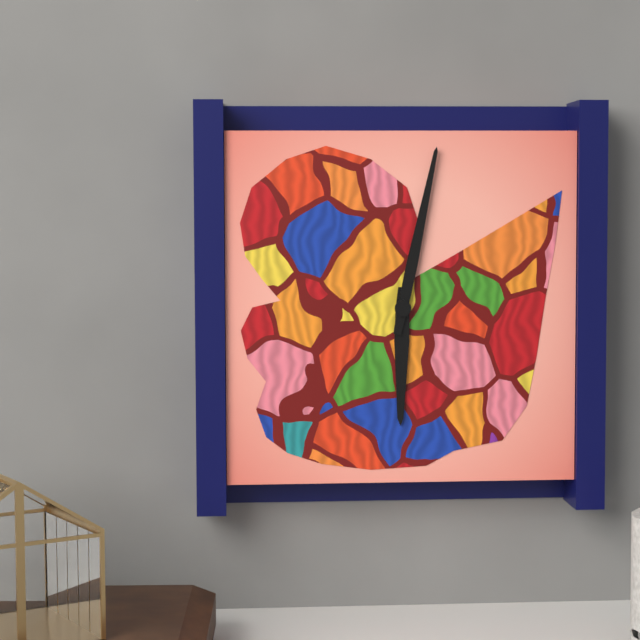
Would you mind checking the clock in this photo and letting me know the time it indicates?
6:02
